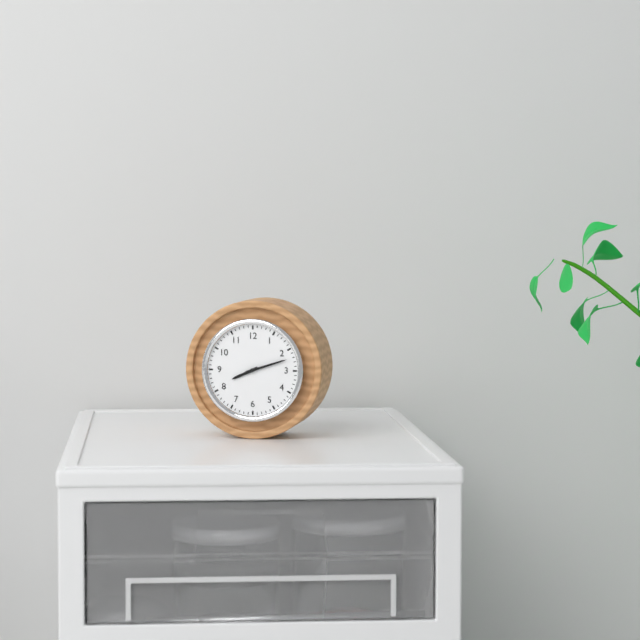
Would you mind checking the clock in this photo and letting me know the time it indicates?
8:12
